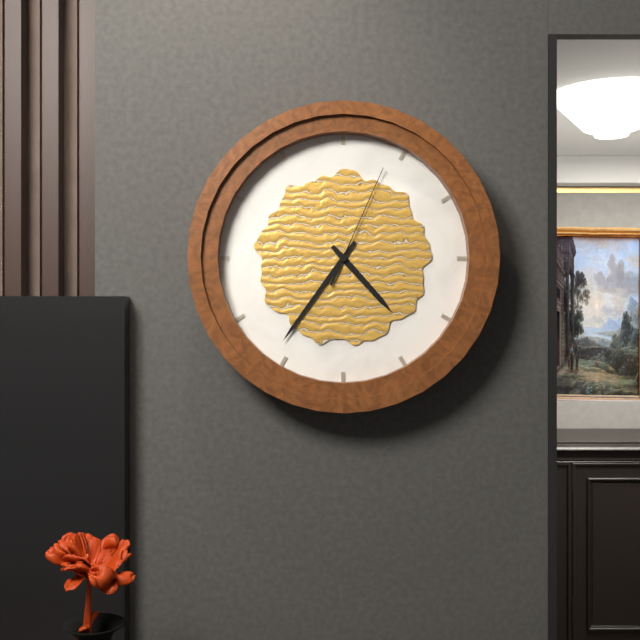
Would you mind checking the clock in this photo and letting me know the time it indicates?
4:36:04
